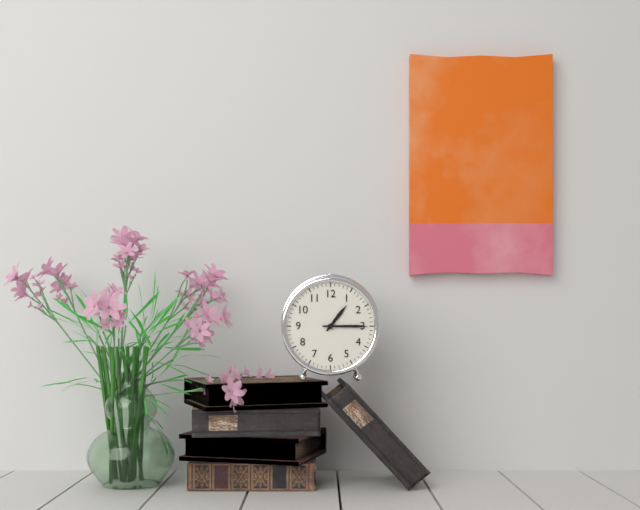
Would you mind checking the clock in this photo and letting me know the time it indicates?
1:15
